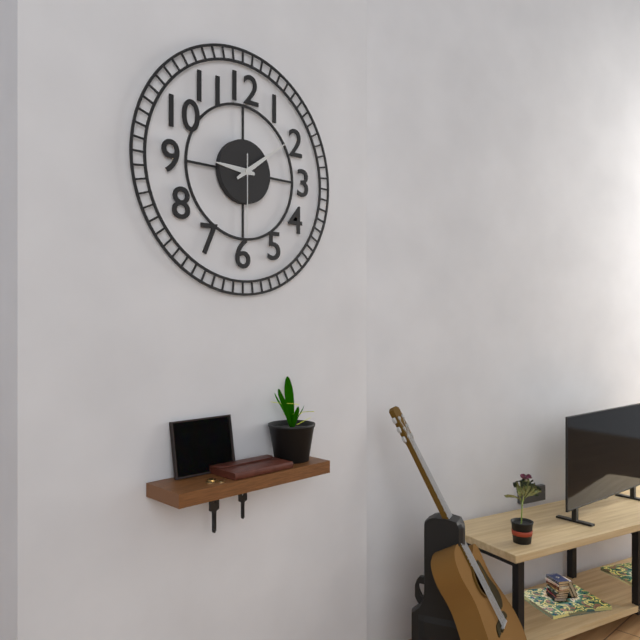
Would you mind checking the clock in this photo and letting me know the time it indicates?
9:09:30
